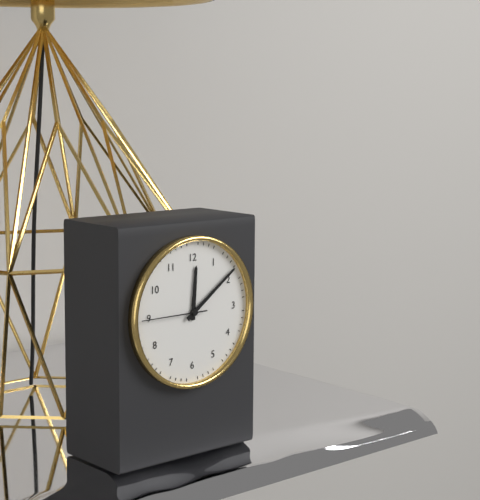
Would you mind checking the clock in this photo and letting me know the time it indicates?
12:09:45
